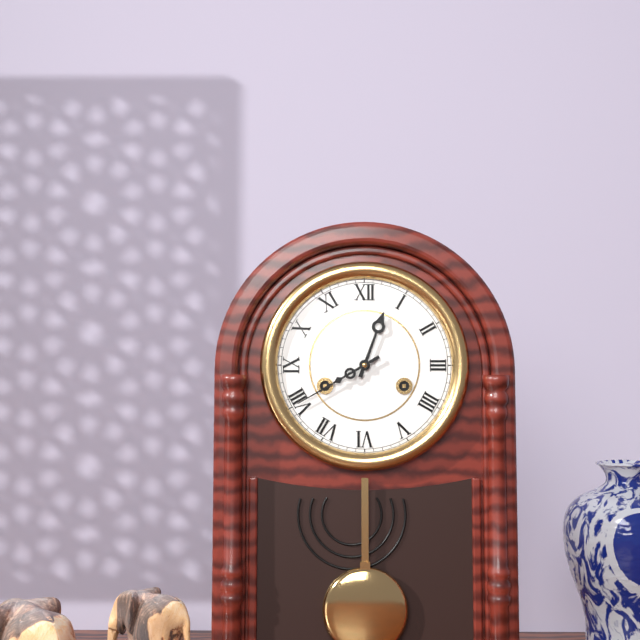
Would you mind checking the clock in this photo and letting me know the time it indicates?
12:40
